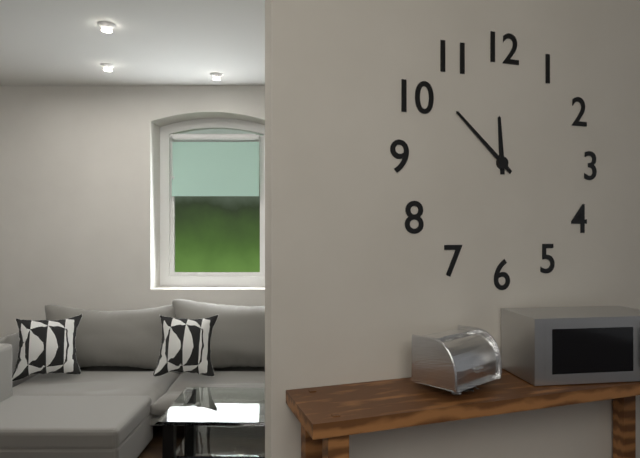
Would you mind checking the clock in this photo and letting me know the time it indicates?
11:52
